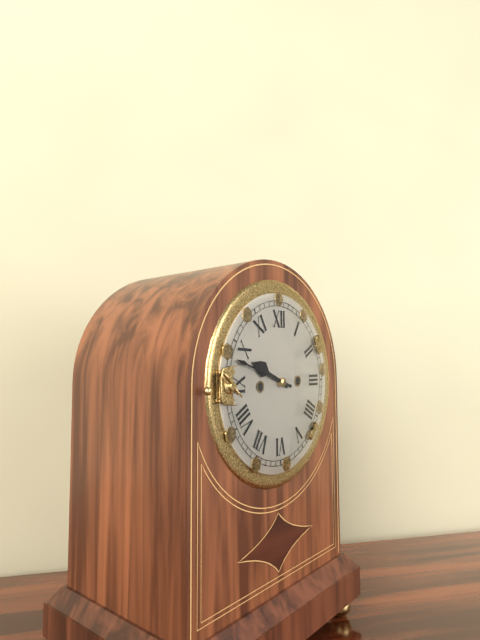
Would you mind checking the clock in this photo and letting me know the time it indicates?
9:48
